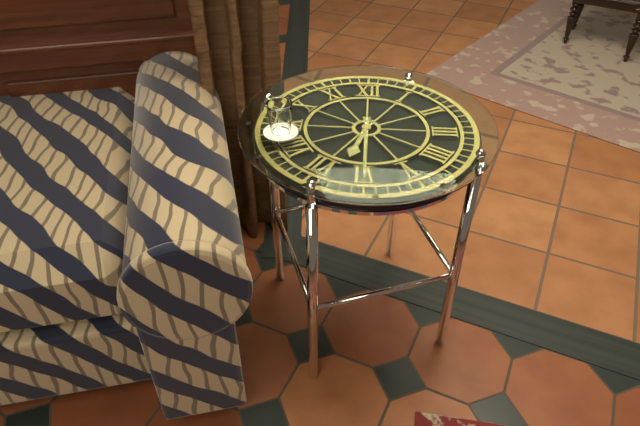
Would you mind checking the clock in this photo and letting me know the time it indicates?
6:30
